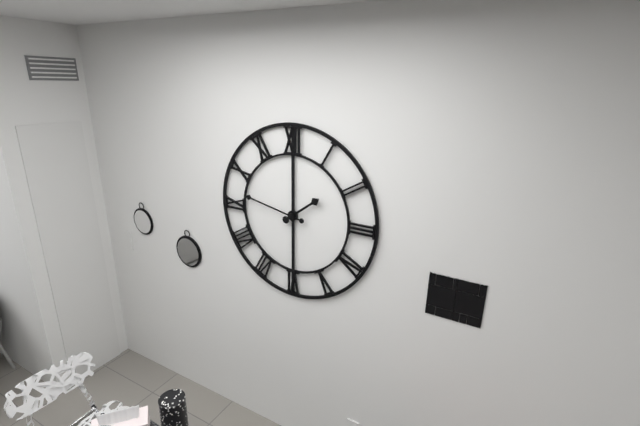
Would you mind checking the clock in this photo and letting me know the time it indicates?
1:47
